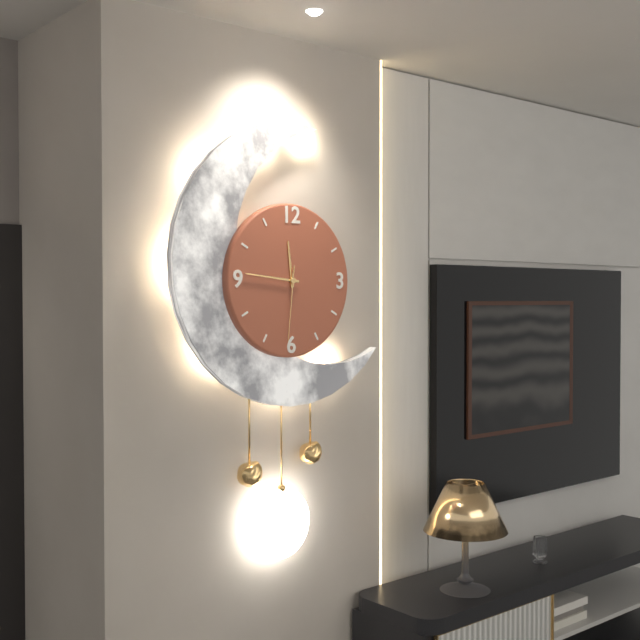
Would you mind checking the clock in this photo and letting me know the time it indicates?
11:46:31
